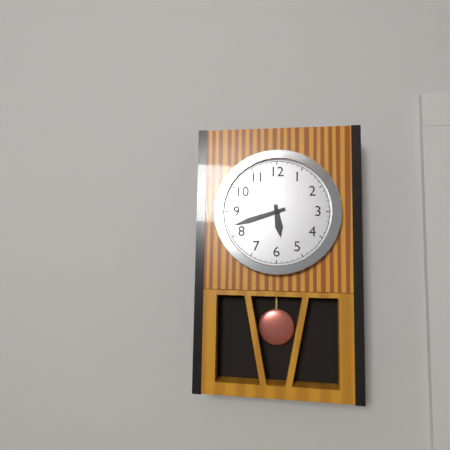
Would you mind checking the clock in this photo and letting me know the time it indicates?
5:42
